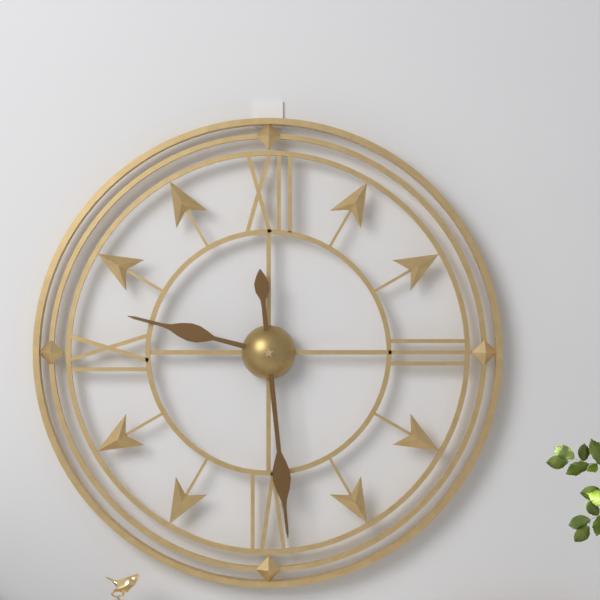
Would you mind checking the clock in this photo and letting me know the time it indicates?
9:29
